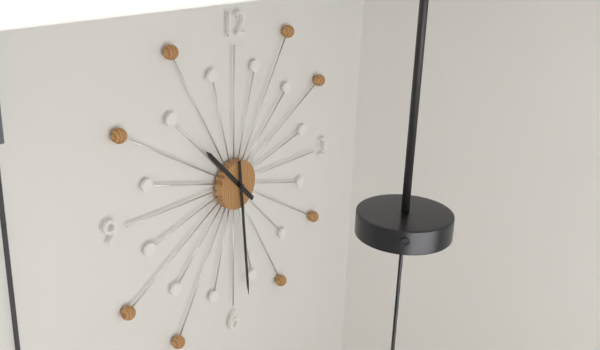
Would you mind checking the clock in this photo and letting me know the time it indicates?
10:29
